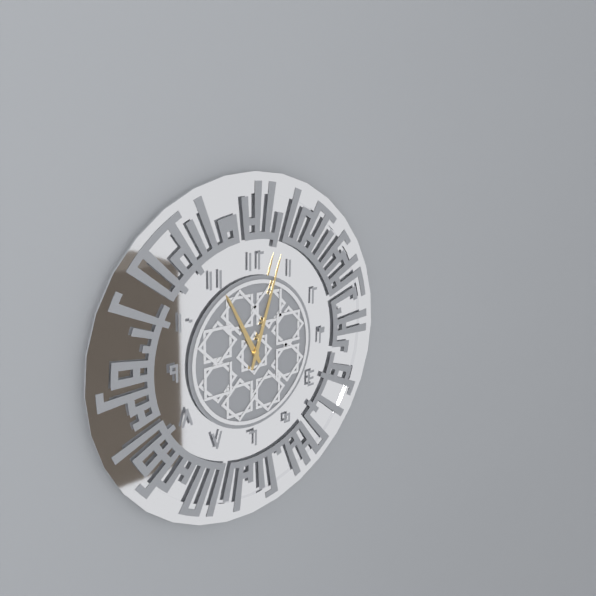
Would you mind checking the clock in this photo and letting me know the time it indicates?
11:03
